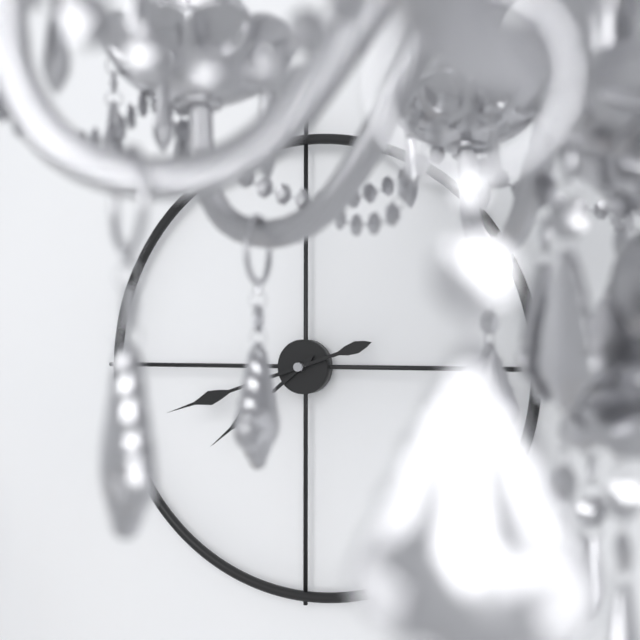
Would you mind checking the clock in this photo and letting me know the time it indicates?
7:42
